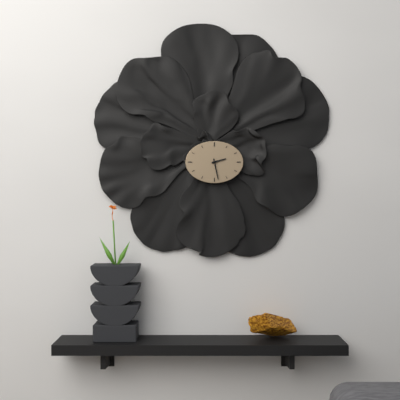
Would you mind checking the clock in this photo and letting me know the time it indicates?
2:28
